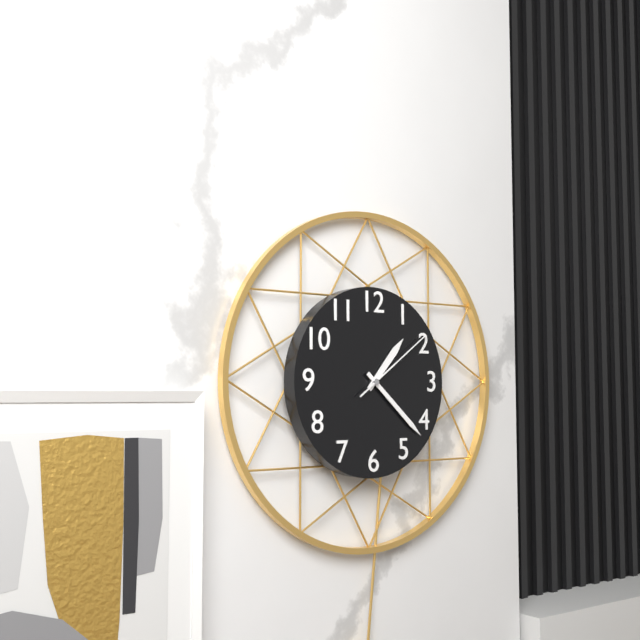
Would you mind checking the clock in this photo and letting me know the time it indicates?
1:22:09
